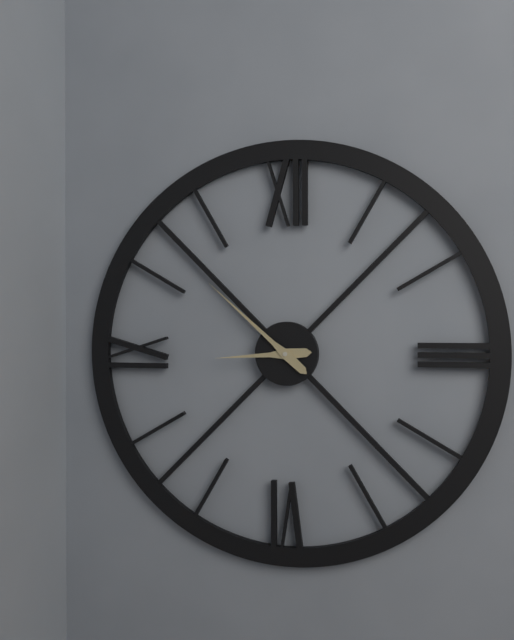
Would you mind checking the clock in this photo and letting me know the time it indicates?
8:52
